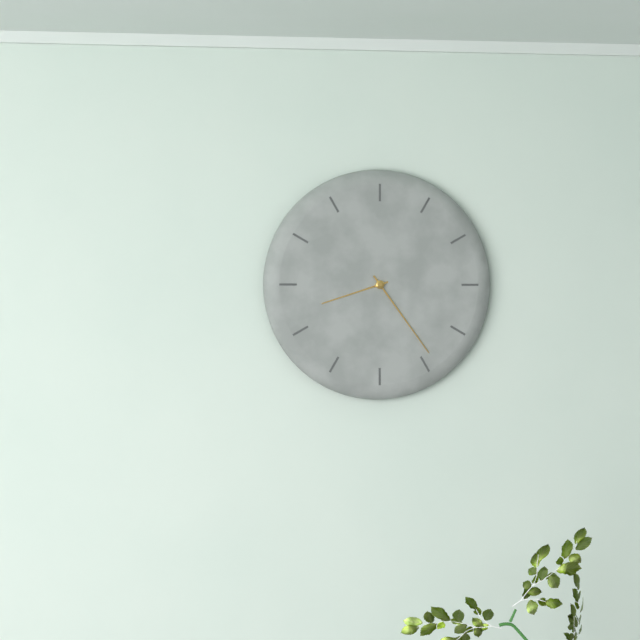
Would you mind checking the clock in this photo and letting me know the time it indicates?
8:24
